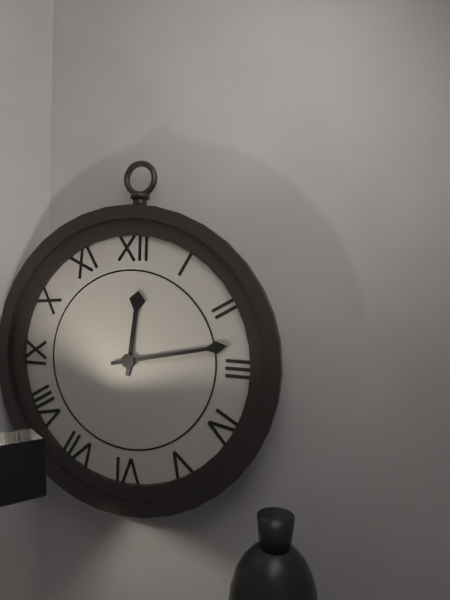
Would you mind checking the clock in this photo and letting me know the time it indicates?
12:13
